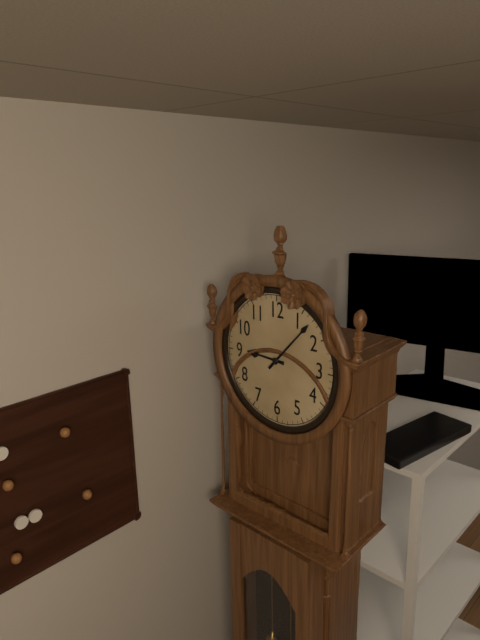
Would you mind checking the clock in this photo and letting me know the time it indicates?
9:07
